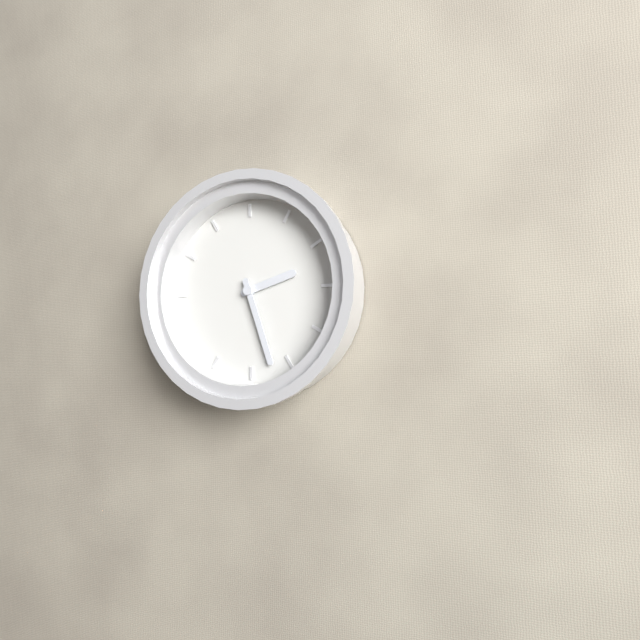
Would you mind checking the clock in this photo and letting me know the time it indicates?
2:27
